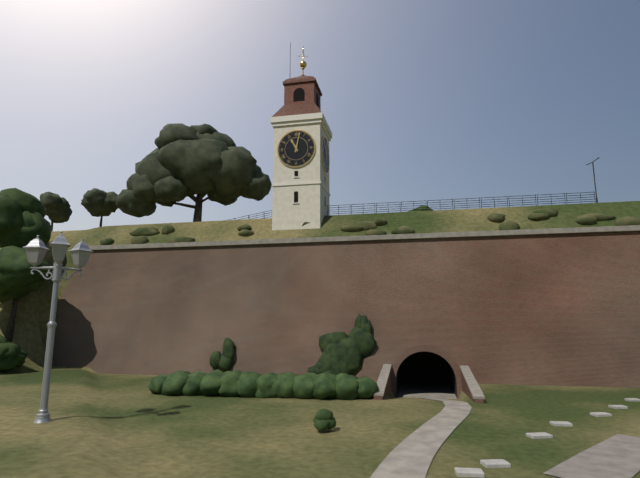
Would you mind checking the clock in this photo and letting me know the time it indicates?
11:02
